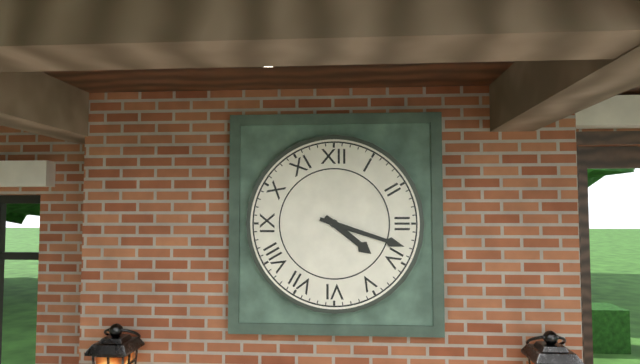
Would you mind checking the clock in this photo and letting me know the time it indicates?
4:18
